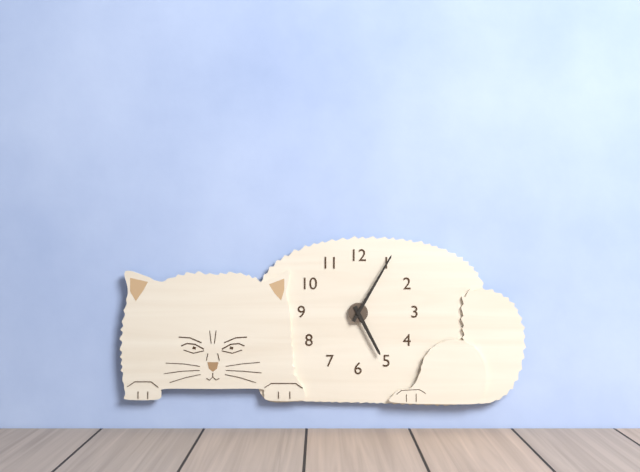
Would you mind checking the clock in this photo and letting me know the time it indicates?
5:05
